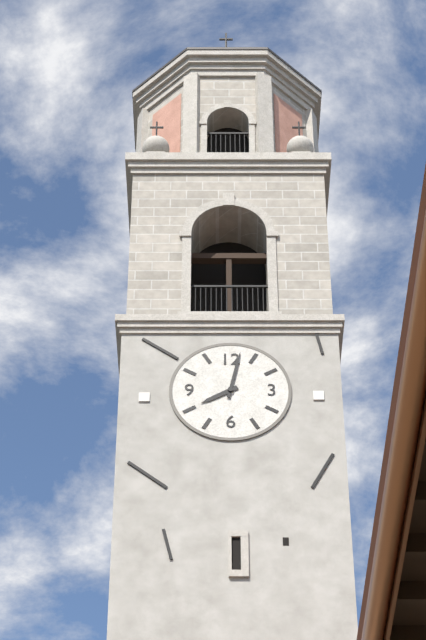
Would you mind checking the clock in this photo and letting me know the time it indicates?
8:02
